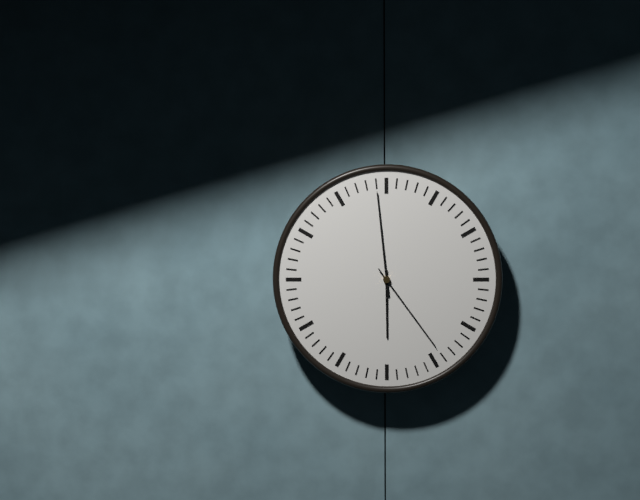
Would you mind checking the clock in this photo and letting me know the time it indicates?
5:59:24
